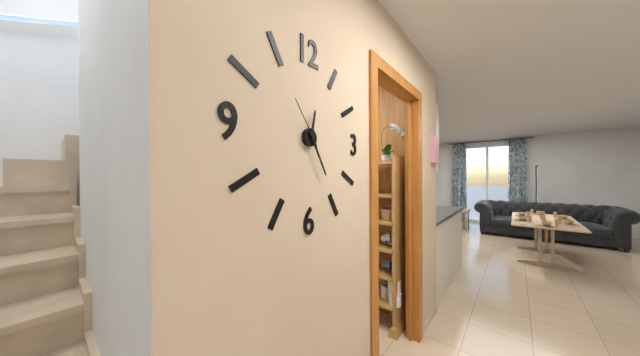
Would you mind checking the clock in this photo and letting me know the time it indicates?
12:25:54
